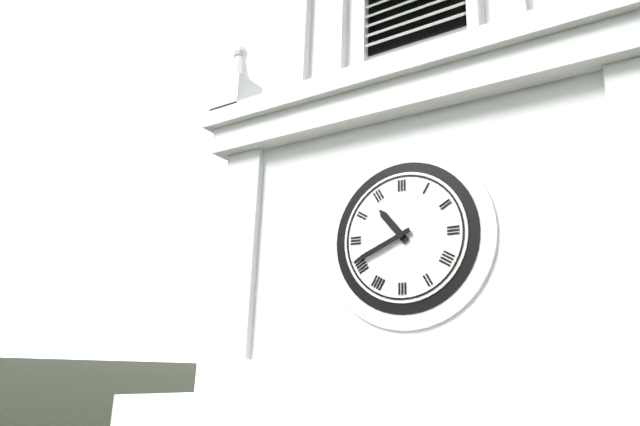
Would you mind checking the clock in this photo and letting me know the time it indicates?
10:41
